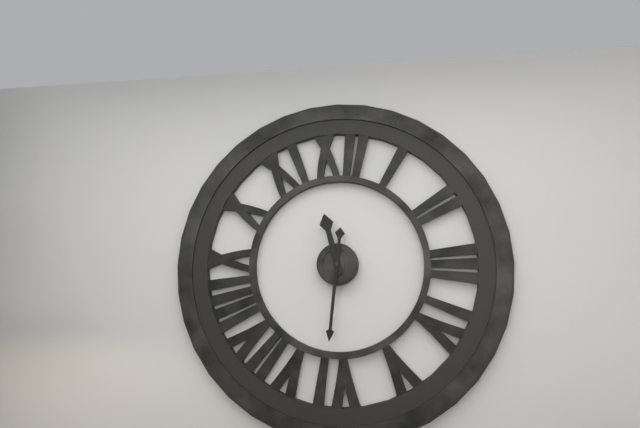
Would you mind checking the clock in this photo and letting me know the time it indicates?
11:31
